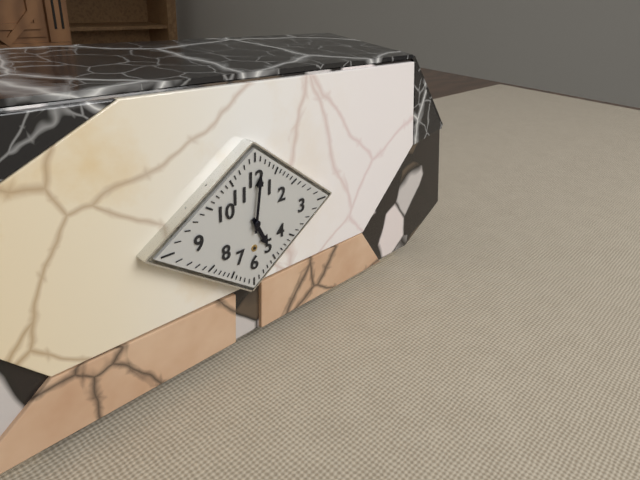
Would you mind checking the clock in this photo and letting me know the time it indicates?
5:01
